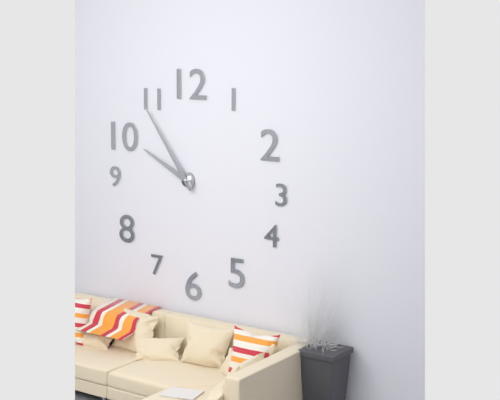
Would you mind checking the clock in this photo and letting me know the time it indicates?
9:54
